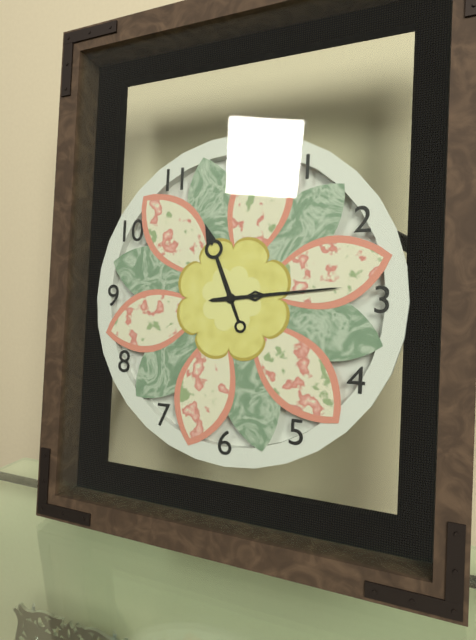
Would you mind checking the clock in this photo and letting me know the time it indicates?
11:14
